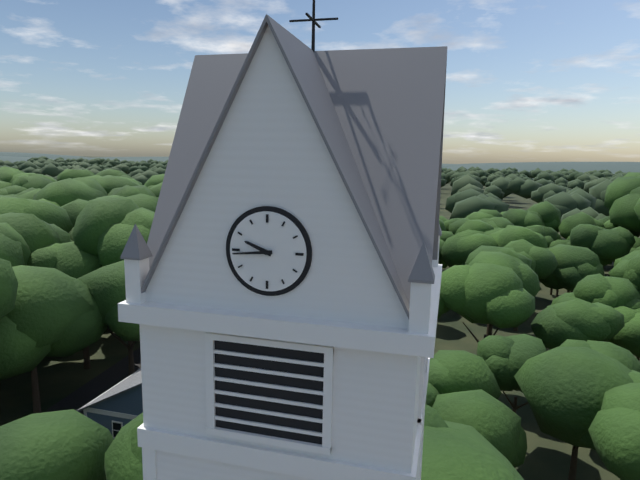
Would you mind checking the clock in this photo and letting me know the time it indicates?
9:44
